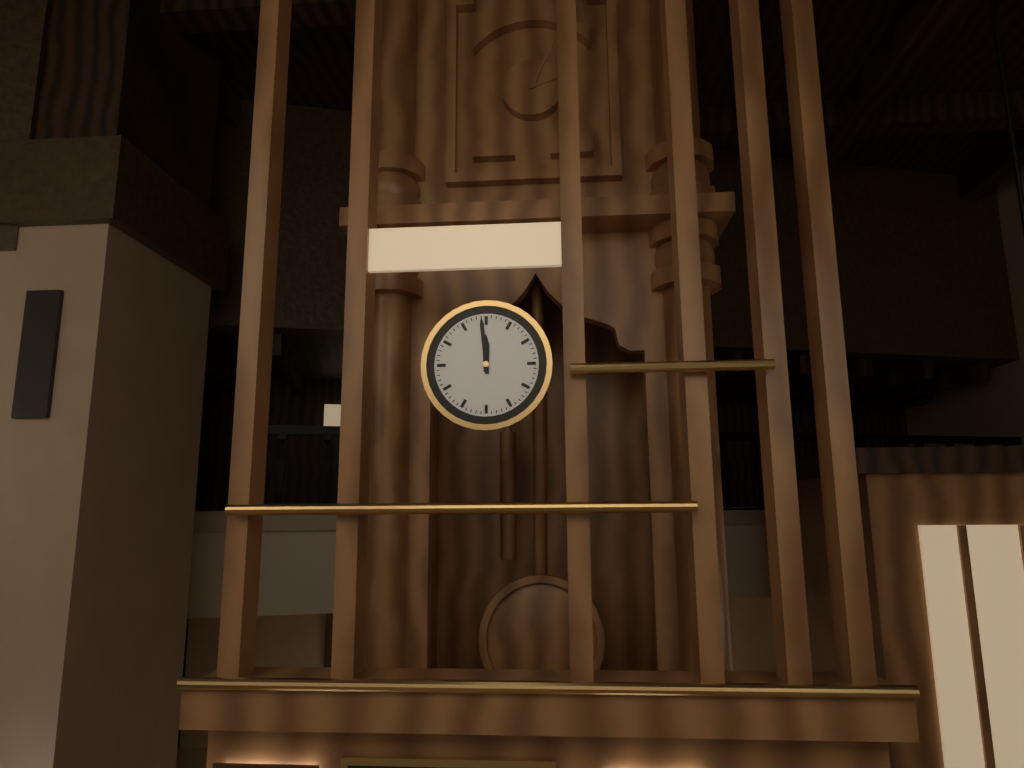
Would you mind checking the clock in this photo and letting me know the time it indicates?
11:59
